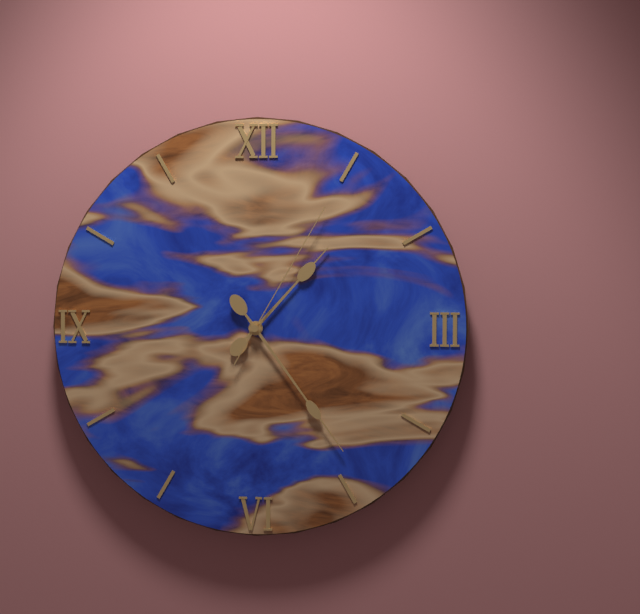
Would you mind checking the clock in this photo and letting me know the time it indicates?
1:24:05
